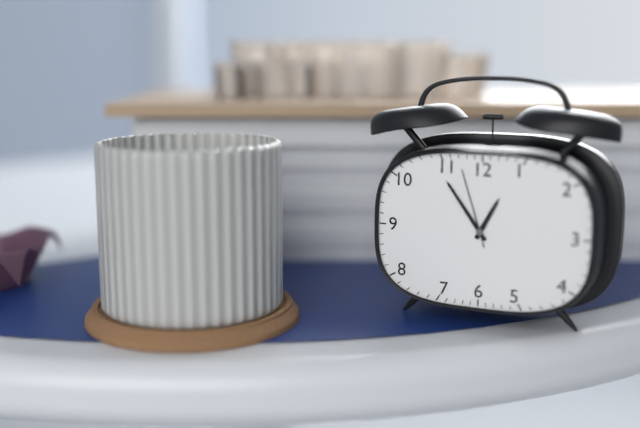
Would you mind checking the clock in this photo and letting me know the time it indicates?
12:54:57
